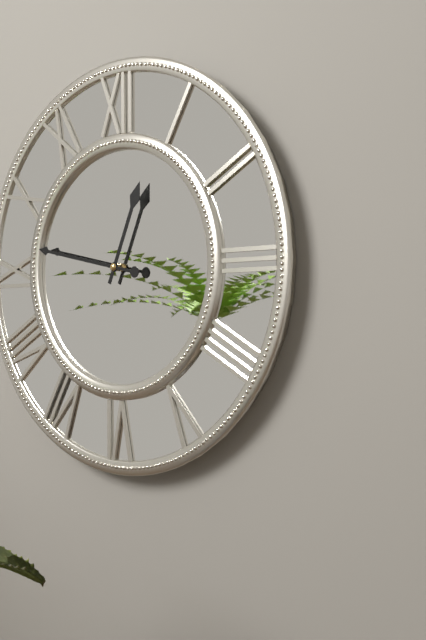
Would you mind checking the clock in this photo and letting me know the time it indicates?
12:47
